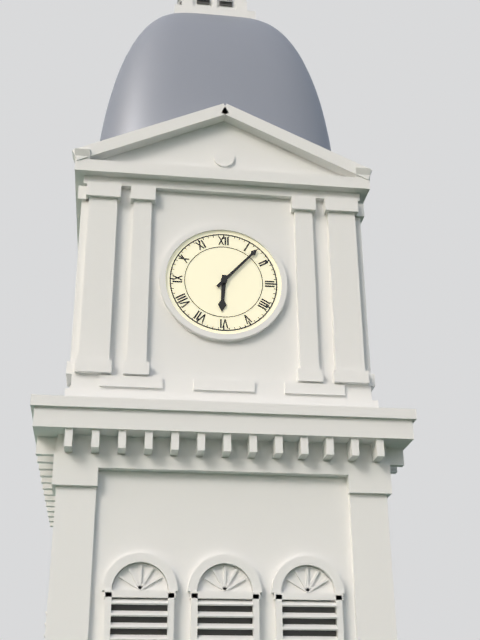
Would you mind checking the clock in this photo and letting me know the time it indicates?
6:07
